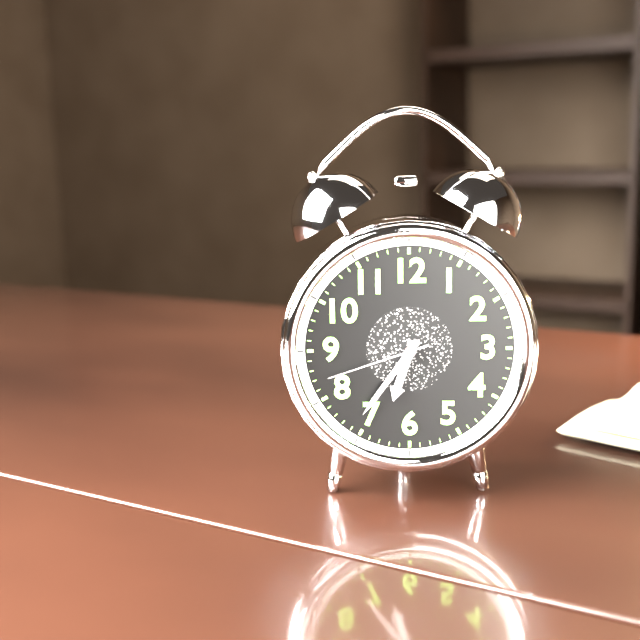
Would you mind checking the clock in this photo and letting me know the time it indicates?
6:36:42
